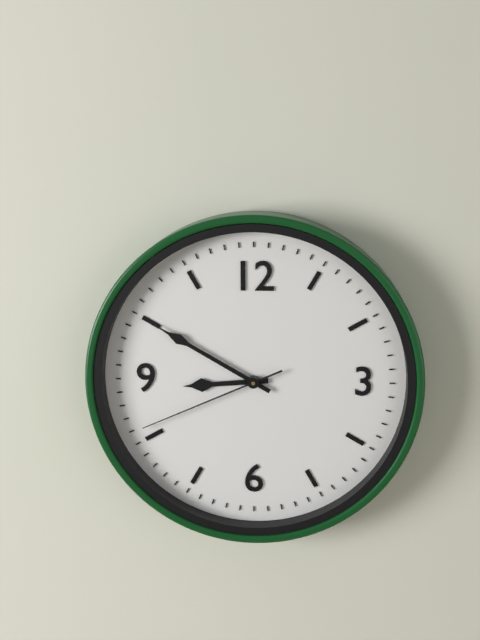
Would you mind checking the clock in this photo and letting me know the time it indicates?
8:50:41
